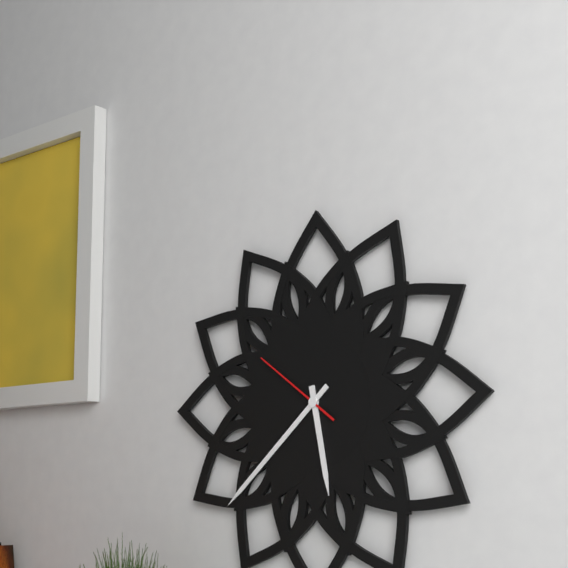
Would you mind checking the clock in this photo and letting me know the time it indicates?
5:38:51
